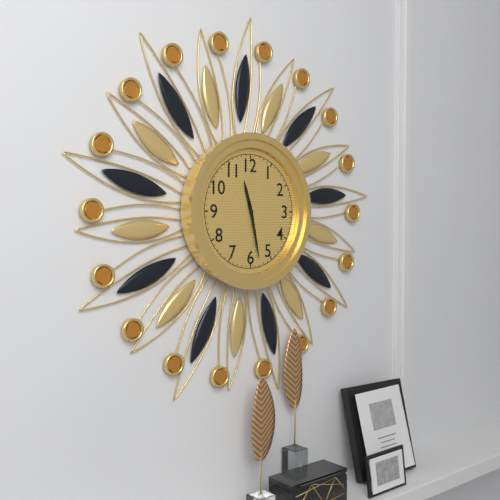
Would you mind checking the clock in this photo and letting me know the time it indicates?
11:28
